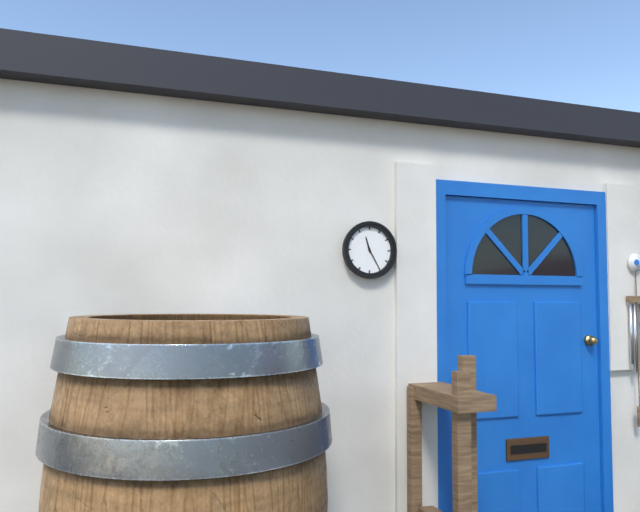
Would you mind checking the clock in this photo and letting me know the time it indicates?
11:25
